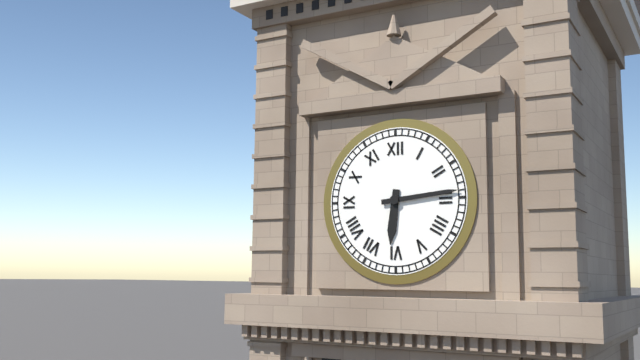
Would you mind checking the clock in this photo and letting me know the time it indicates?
6:14
